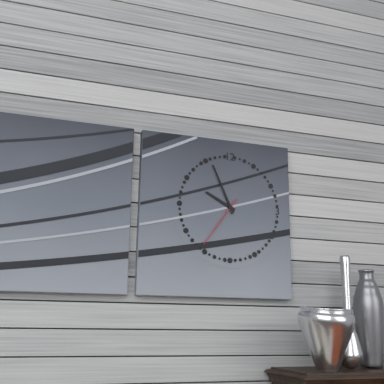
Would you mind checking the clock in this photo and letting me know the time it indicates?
9:56:36
